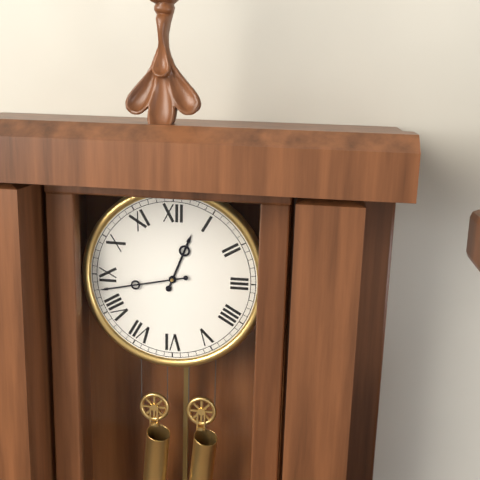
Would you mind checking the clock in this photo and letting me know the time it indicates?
12:43
